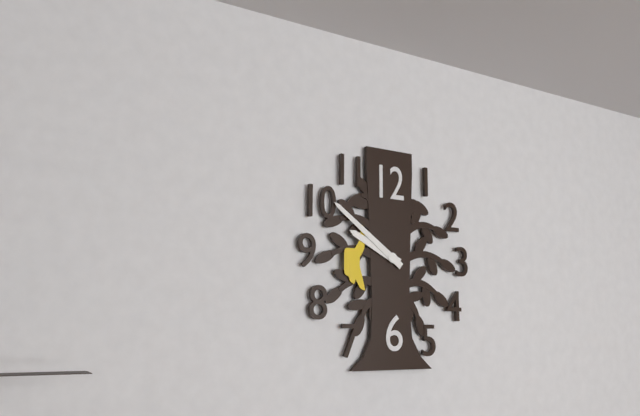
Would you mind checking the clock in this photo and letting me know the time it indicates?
9:51
